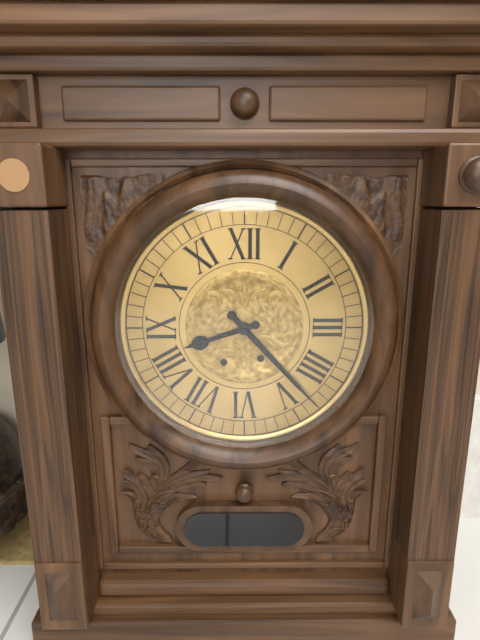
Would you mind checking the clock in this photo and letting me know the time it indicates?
8:23
